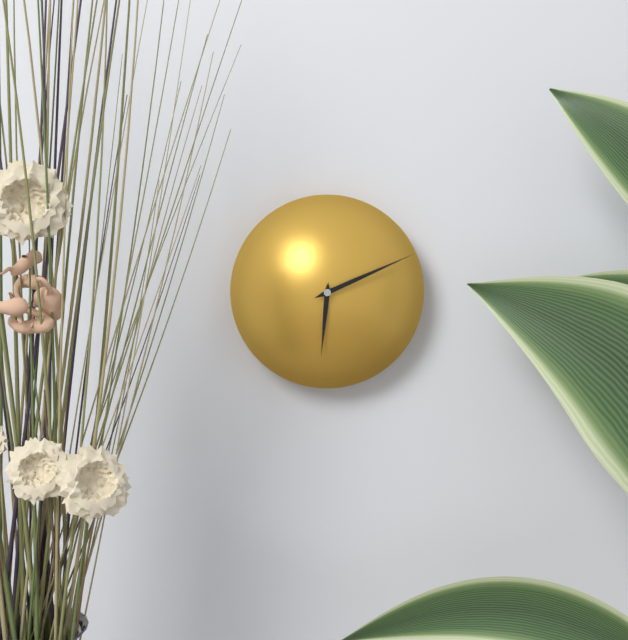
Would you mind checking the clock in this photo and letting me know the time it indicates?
6:11
